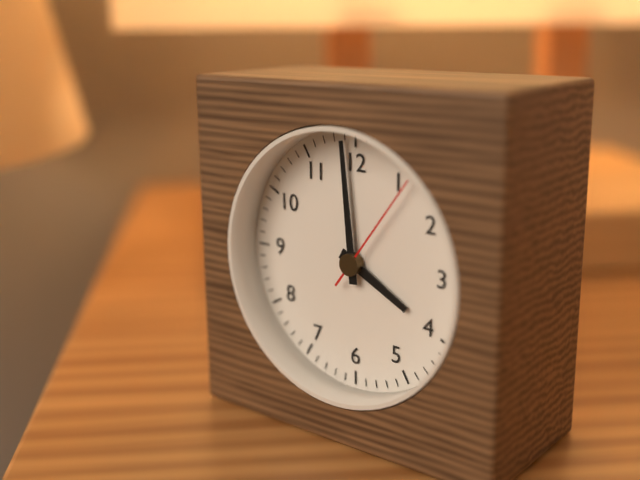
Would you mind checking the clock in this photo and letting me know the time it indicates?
3:59:06
